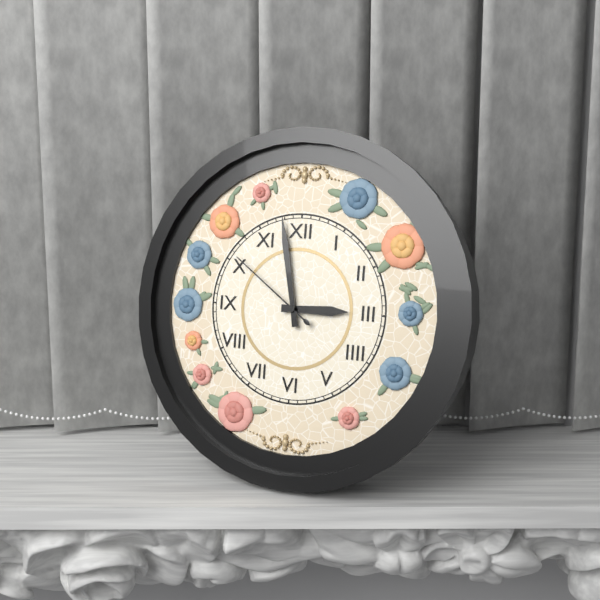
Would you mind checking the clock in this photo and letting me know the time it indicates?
2:58:51
